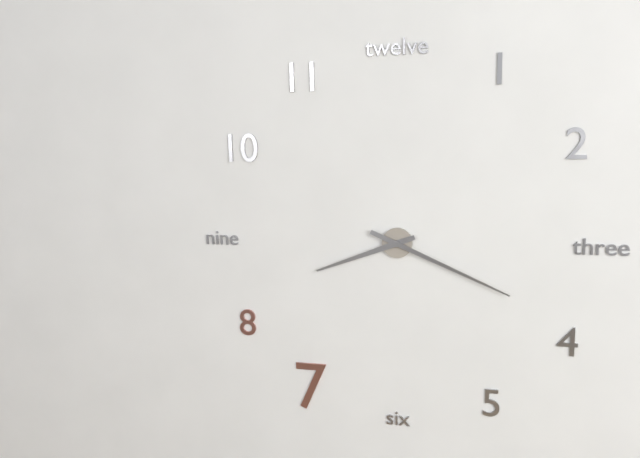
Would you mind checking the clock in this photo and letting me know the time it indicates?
8:19
